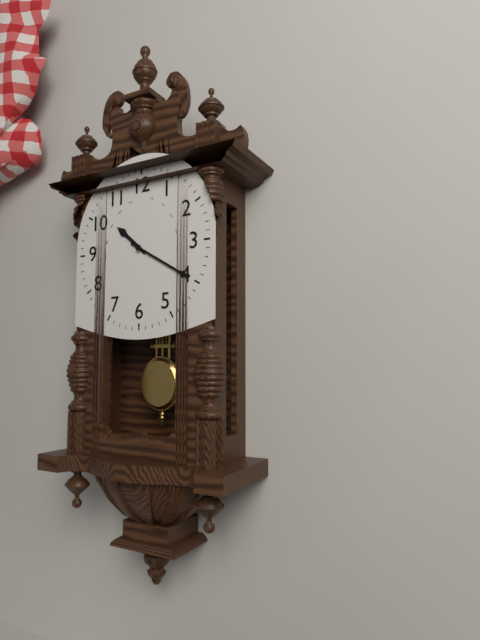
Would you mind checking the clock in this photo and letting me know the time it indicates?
10:20
